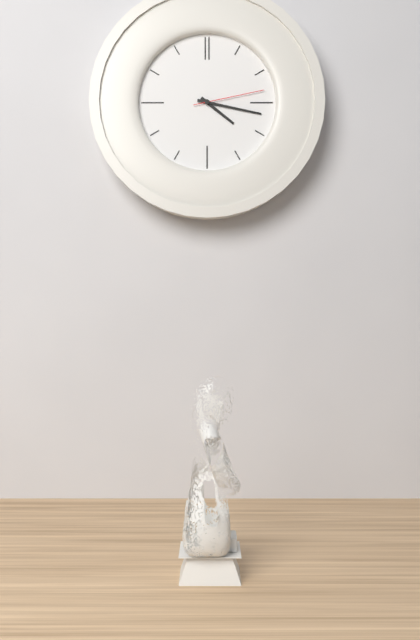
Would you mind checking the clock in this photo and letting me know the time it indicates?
4:17:13
